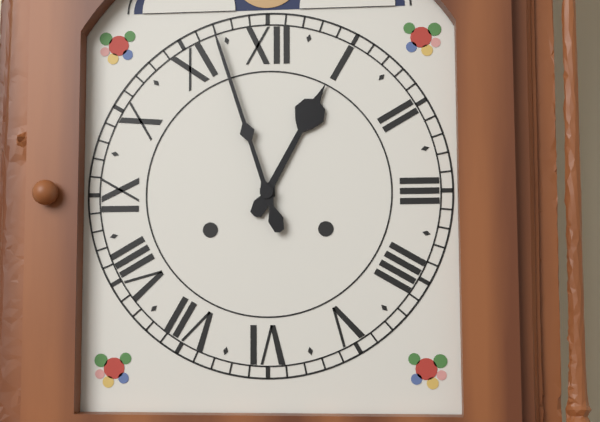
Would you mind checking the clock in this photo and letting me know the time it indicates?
12:57
